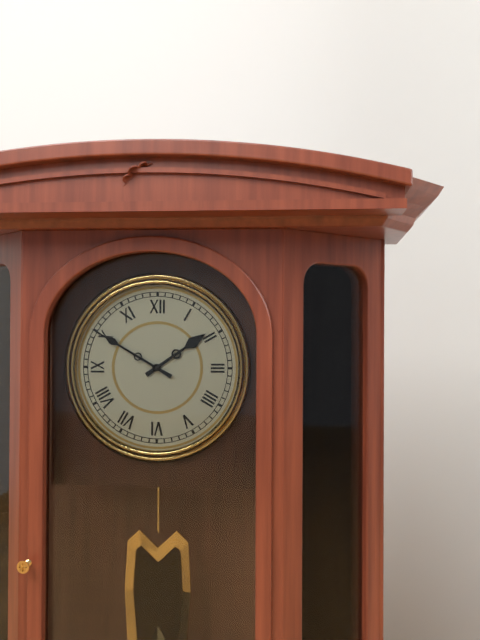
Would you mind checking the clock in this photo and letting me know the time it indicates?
1:50
